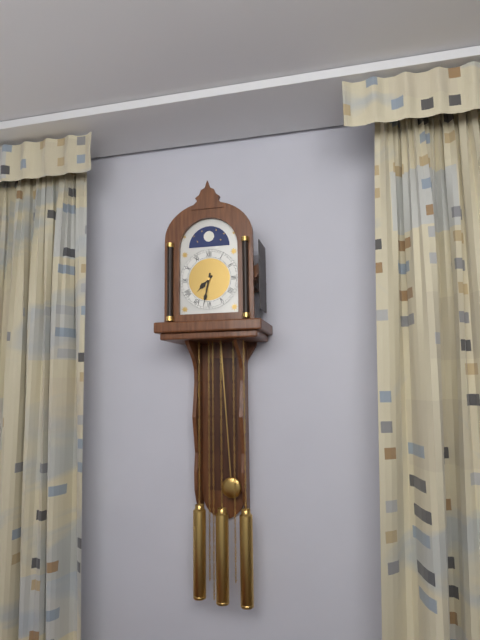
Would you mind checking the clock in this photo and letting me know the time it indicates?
7:32
